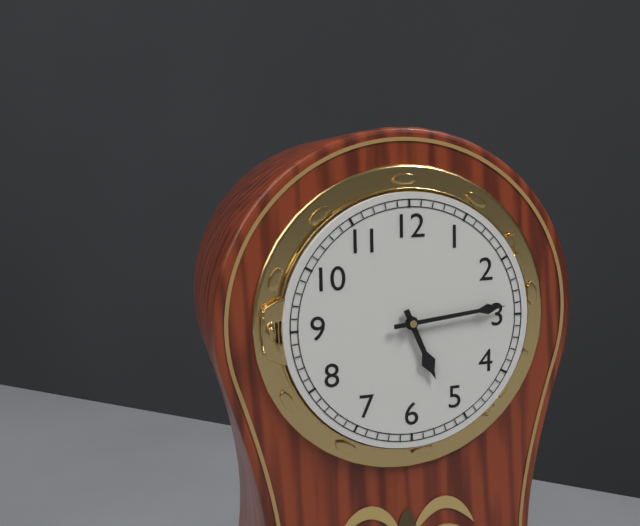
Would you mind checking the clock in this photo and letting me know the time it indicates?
5:14
